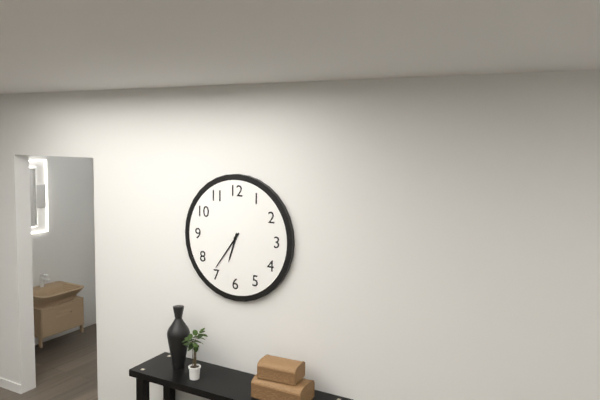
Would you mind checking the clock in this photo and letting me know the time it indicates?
6:36
